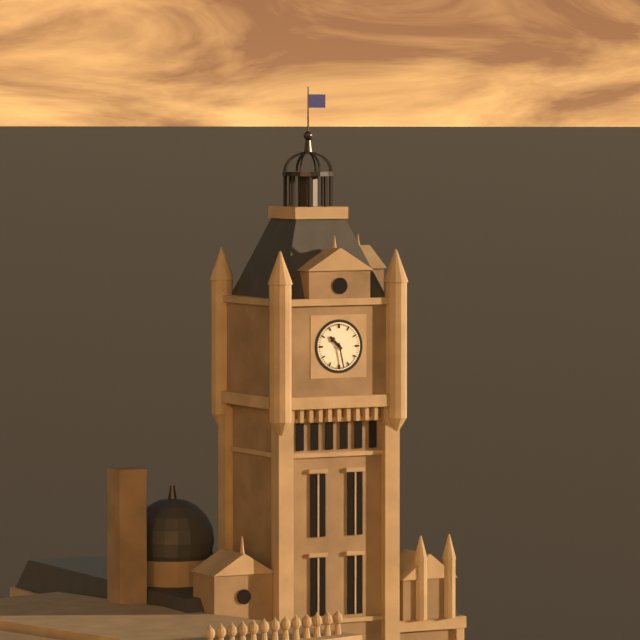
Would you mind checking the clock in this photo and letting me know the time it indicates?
10:28
